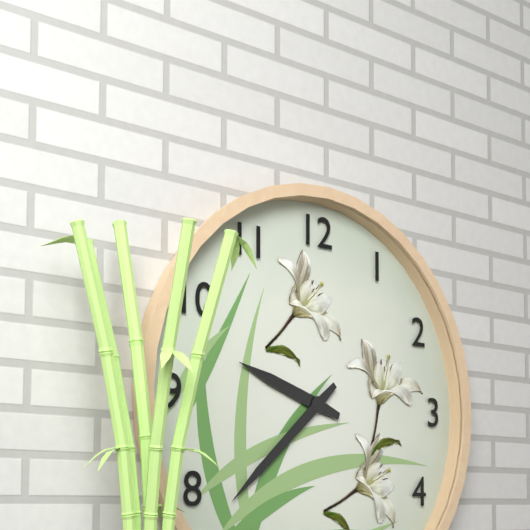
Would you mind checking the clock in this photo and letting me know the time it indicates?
9:38
